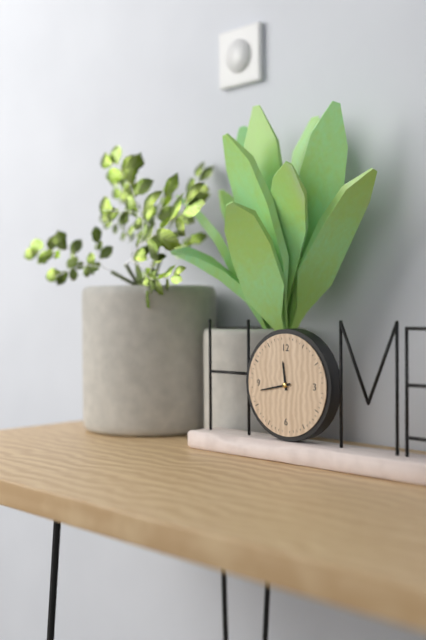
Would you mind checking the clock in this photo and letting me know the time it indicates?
11:43
